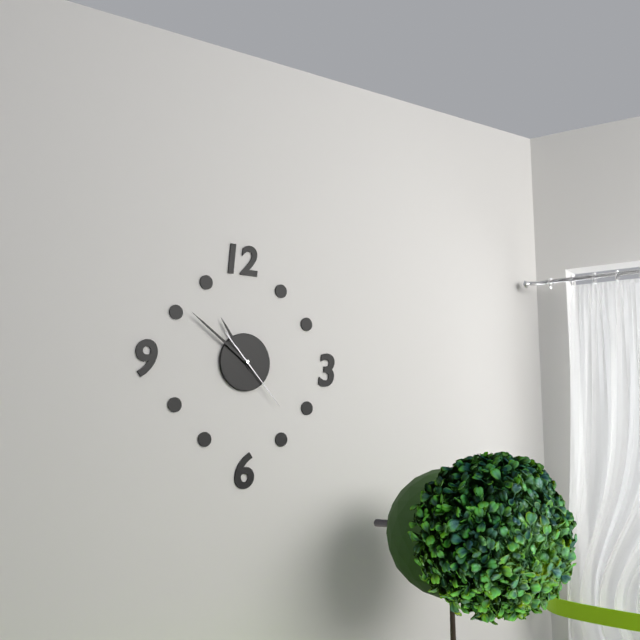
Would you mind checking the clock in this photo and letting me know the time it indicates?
10:51:23
